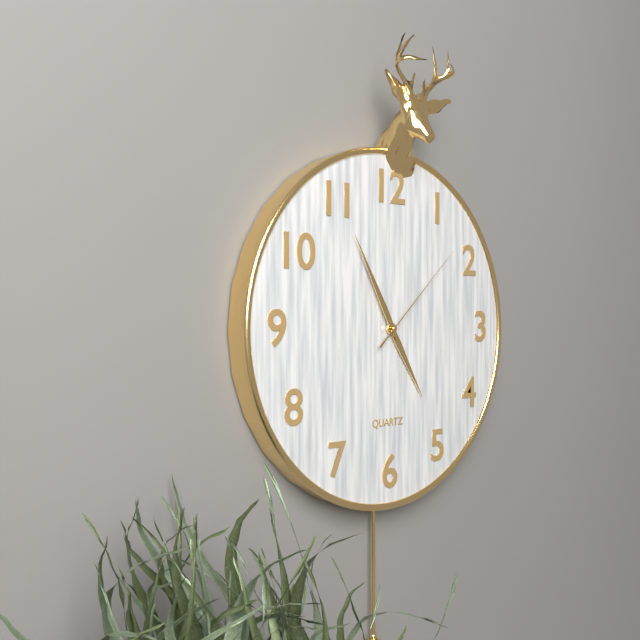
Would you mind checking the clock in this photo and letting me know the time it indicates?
4:55:08
